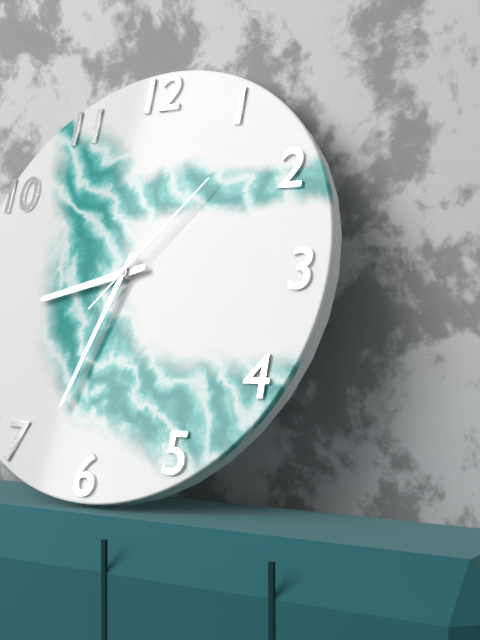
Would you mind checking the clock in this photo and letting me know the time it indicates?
8:33:07
